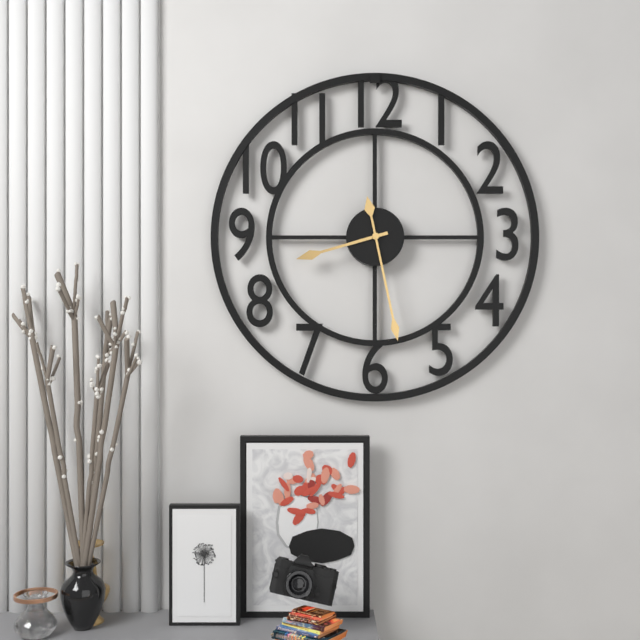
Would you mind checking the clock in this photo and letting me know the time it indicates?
8:28
